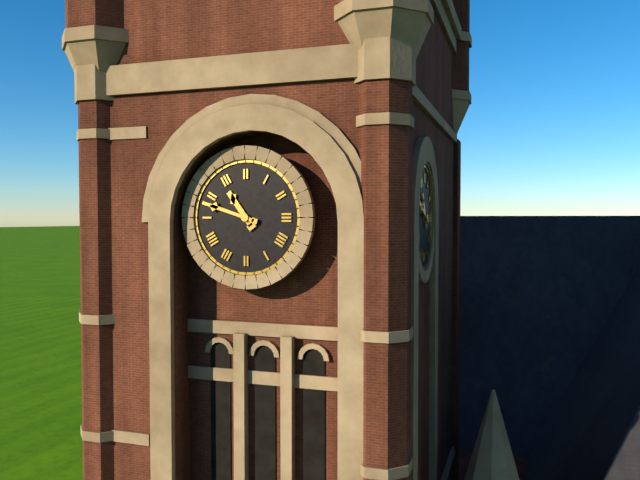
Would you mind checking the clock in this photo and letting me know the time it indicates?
10:48
